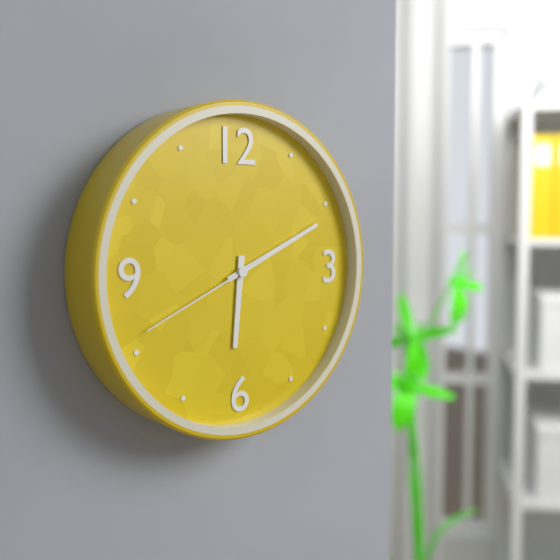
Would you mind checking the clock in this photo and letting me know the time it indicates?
6:11:41
